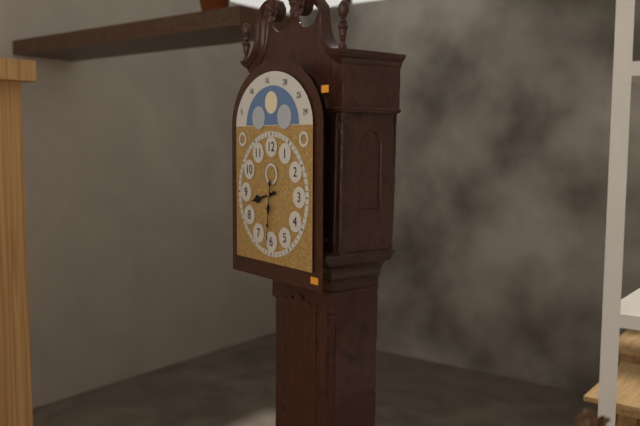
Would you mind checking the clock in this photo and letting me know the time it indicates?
8:31
